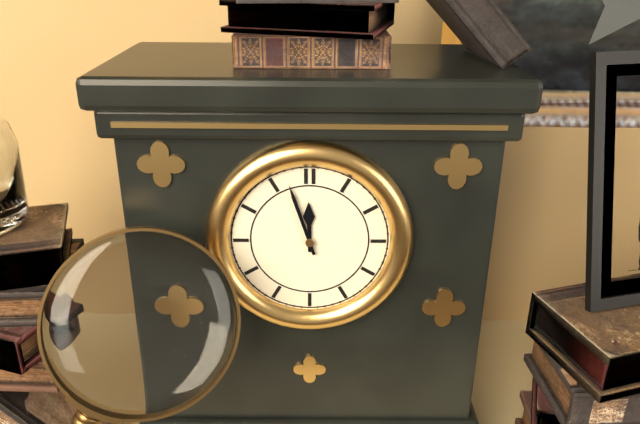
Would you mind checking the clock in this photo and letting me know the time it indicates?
11:57
